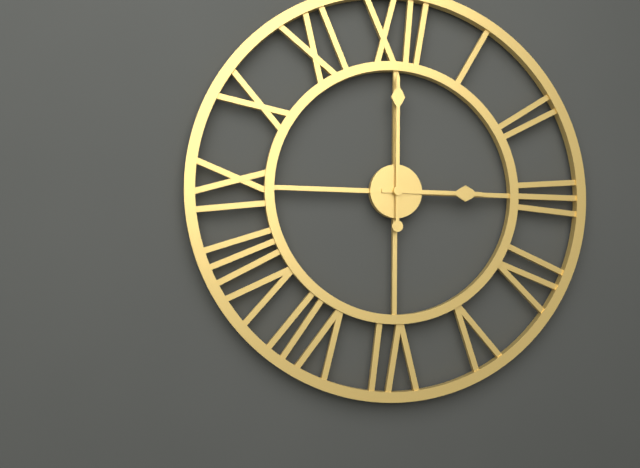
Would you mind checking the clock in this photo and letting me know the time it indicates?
3:00
